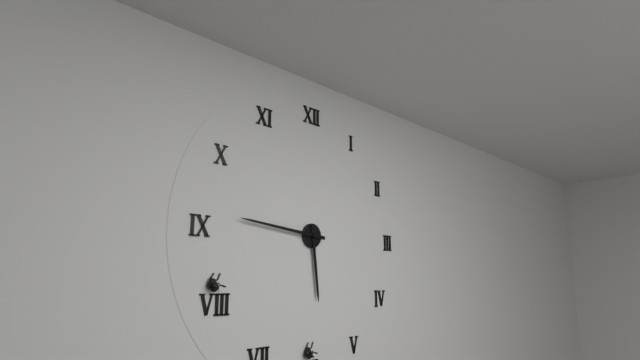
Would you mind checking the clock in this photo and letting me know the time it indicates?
5:46
